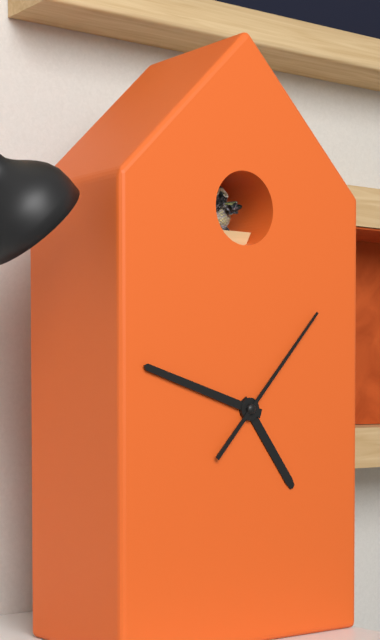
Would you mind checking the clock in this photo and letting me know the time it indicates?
4:48:07
